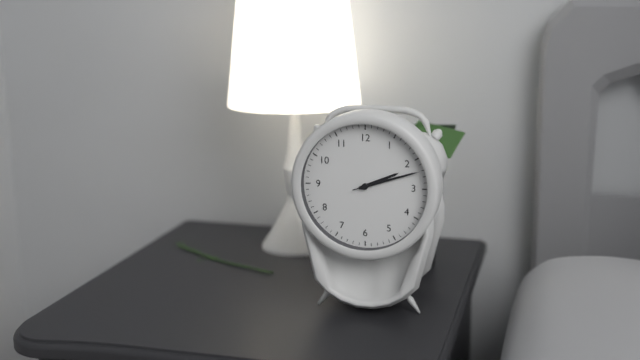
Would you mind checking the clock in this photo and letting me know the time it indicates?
2:12:12
